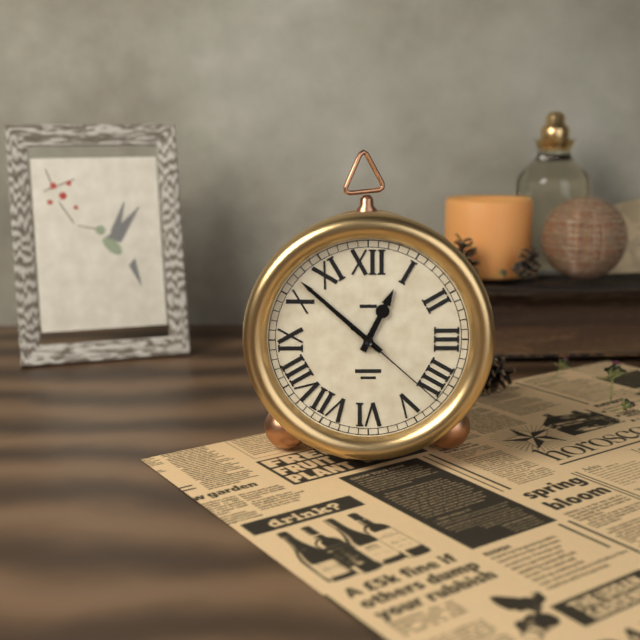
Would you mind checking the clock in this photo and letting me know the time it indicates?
12:52:22
